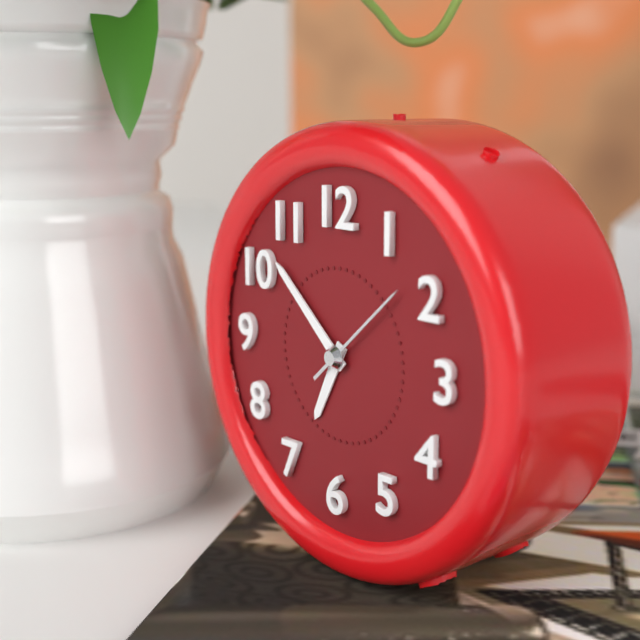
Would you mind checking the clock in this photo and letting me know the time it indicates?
6:52:08
